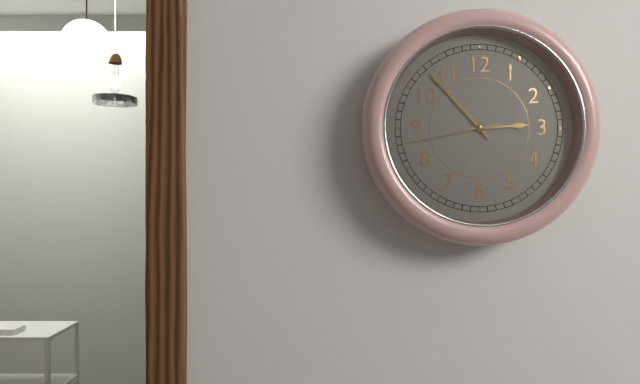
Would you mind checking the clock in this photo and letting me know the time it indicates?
2:53:43
